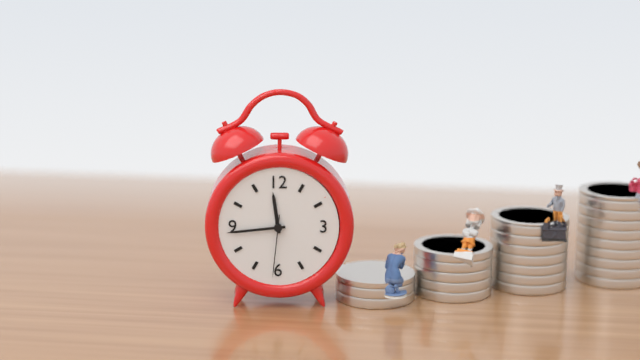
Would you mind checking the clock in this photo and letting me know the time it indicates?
11:44:31
